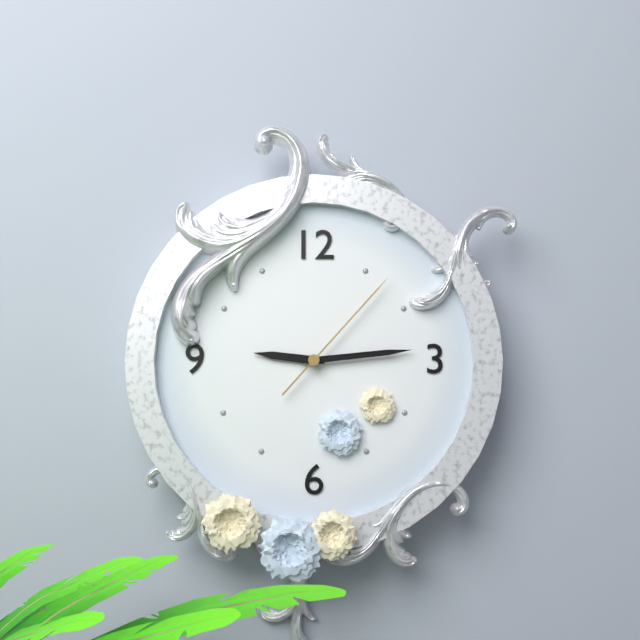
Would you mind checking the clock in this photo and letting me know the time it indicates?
9:14:07
